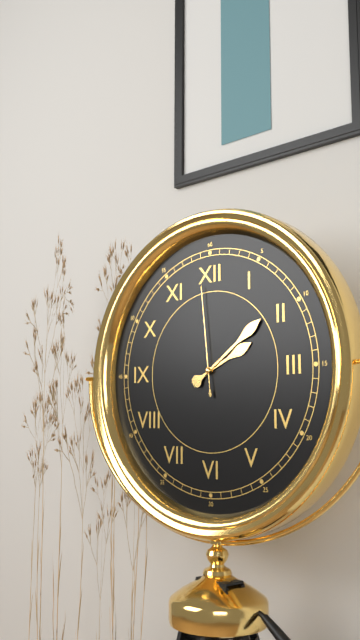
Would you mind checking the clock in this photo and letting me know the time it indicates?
2:09:59
